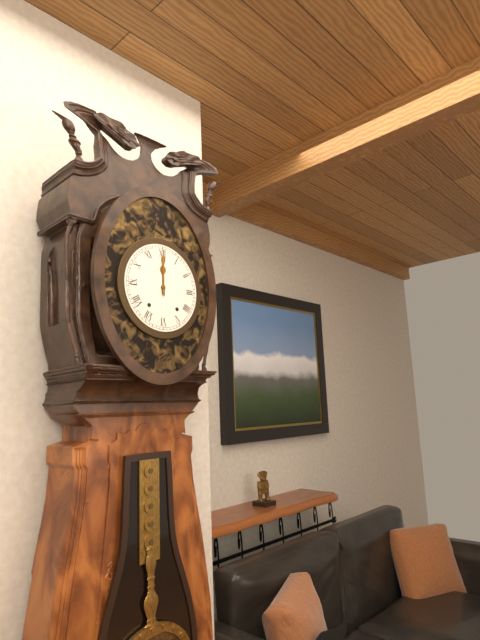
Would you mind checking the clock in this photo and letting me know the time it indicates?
12:00
